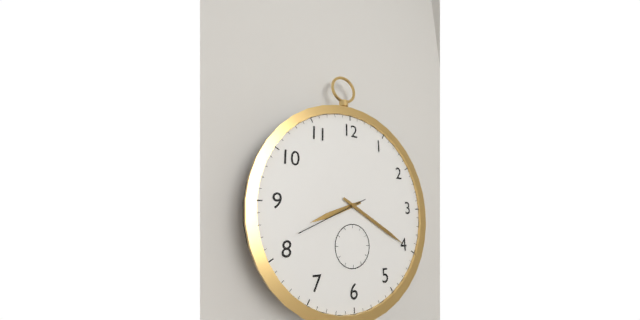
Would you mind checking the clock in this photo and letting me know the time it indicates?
8:20:41
